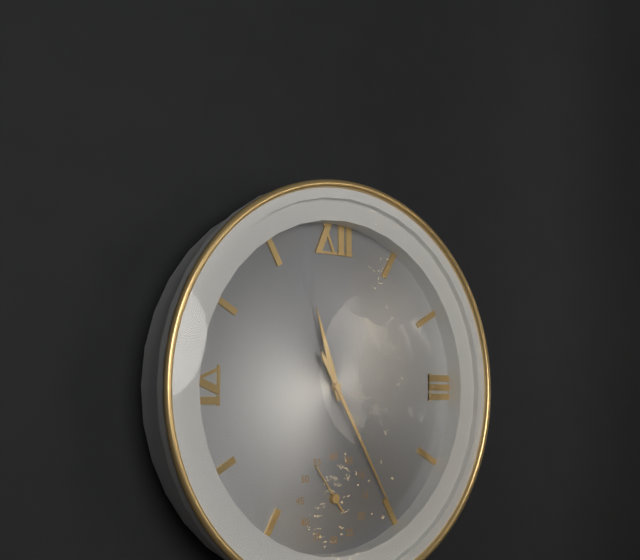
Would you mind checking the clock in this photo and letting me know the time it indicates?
11:25
